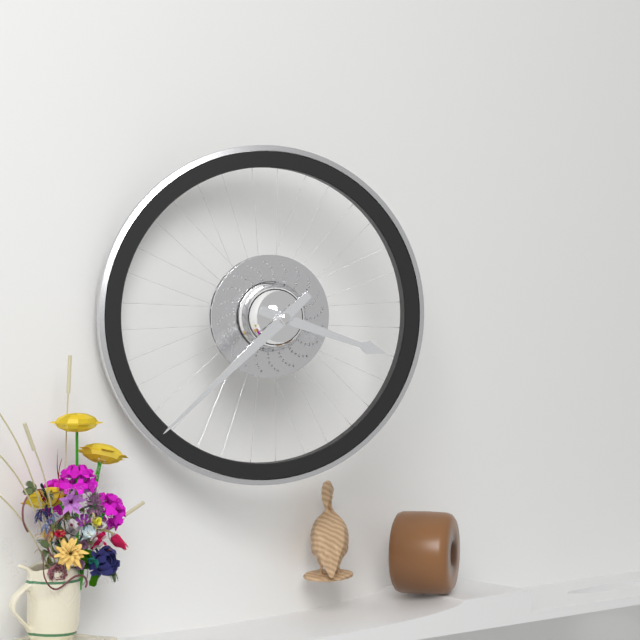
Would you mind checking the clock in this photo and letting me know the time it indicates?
3:38
